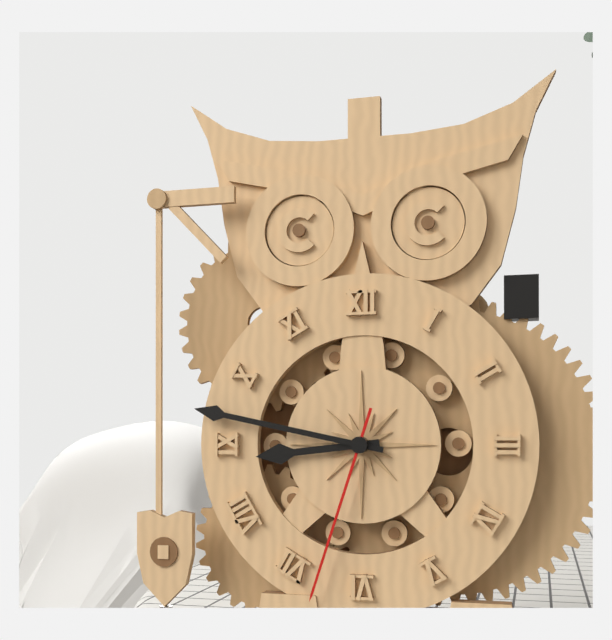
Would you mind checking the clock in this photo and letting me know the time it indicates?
8:47:33
